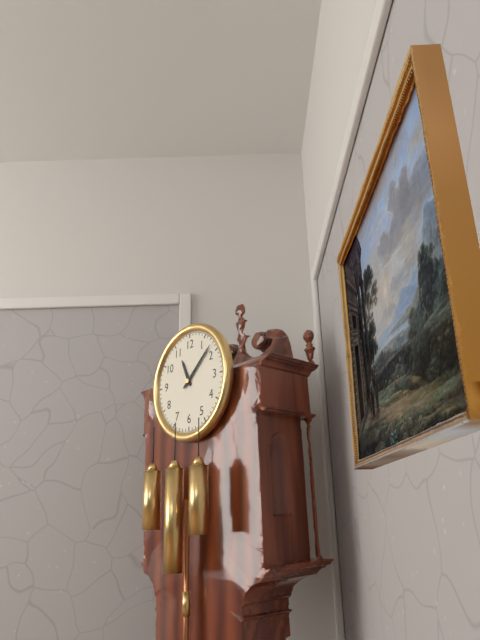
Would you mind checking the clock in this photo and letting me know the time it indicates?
11:08
